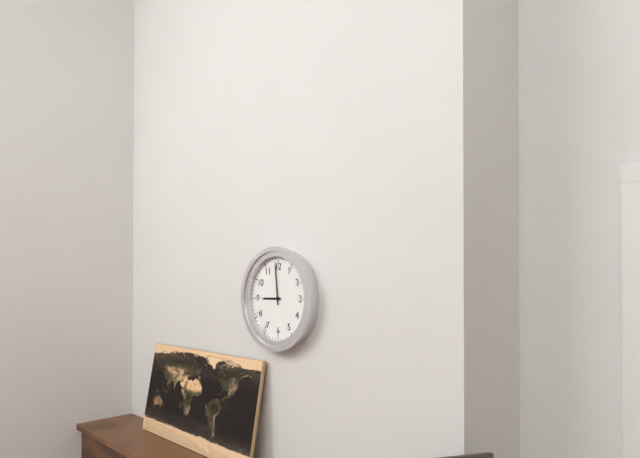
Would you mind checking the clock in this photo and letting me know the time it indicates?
8:59
